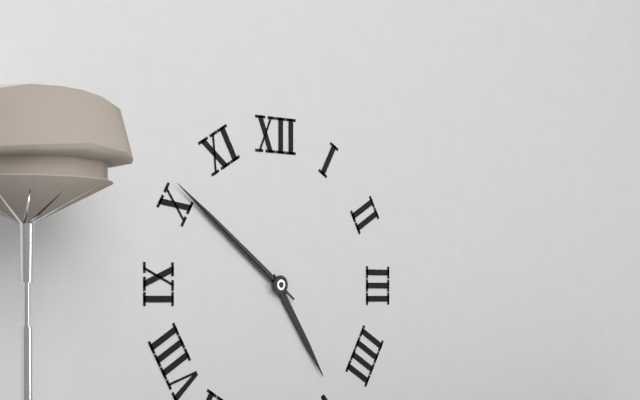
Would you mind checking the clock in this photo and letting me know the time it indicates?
4:51:51
